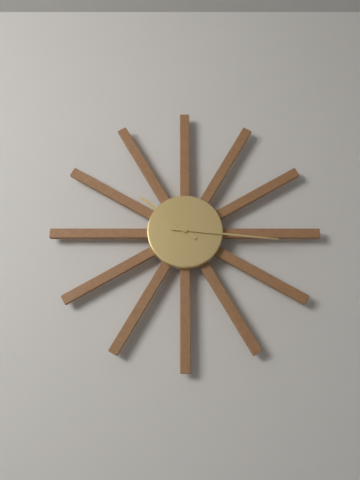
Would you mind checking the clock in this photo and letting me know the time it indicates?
10:16
